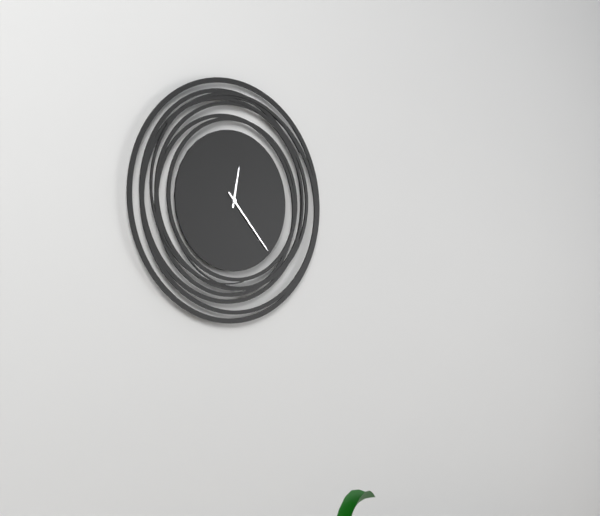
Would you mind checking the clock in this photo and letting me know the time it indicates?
12:23
